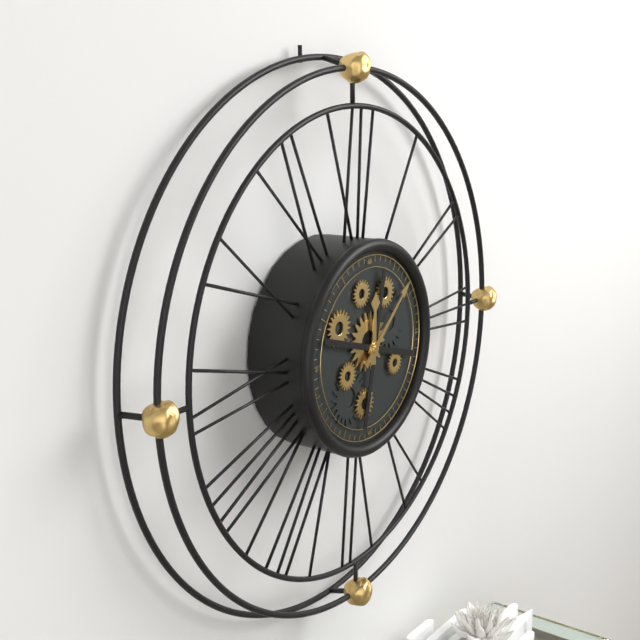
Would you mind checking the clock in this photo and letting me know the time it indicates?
12:08
